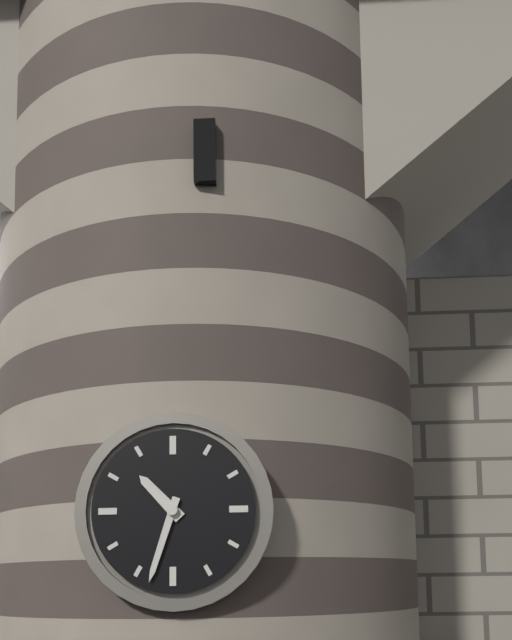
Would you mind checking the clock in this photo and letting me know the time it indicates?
10:33
